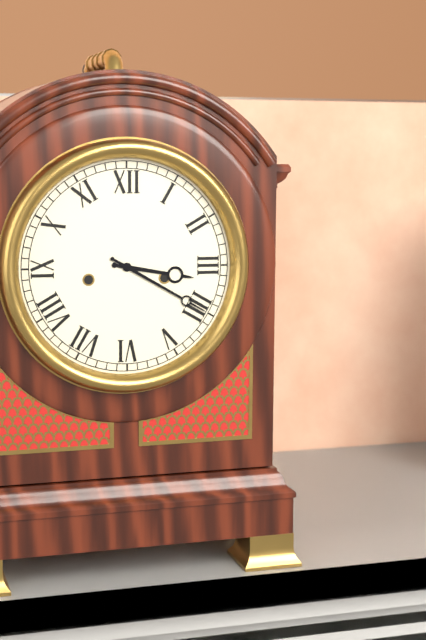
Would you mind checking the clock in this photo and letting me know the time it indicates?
3:20
